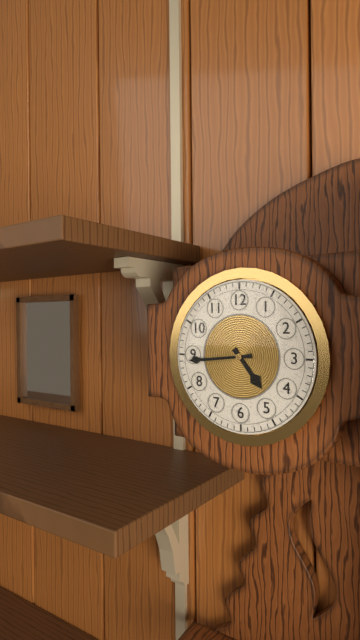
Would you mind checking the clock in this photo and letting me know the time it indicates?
4:44
